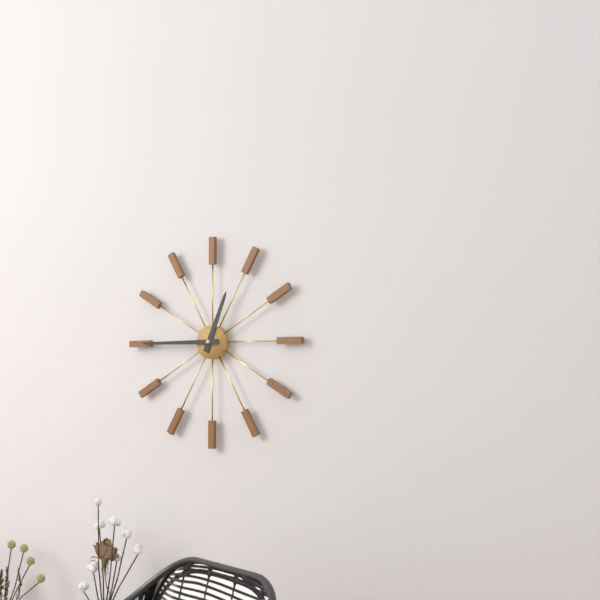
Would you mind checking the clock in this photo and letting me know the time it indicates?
12:45
